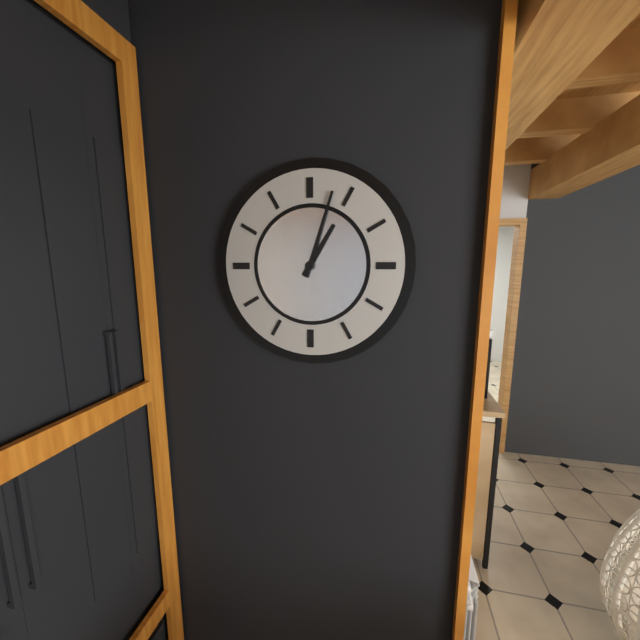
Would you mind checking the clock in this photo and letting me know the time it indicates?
1:03
